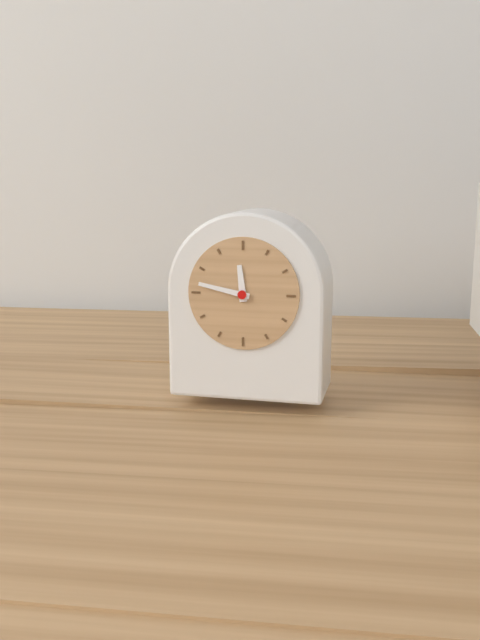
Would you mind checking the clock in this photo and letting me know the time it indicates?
11:47
